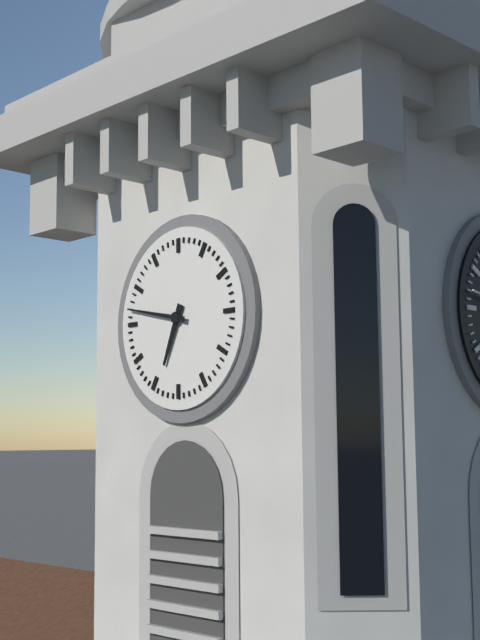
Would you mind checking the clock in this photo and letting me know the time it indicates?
6:47
